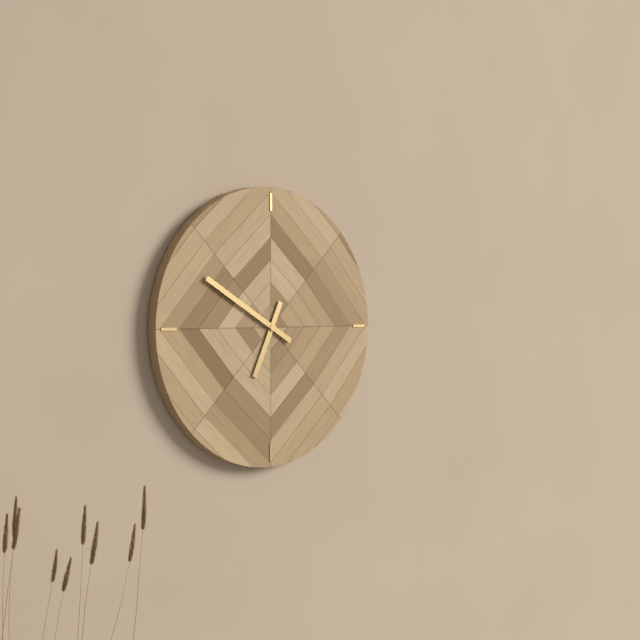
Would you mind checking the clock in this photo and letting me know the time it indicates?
6:50
